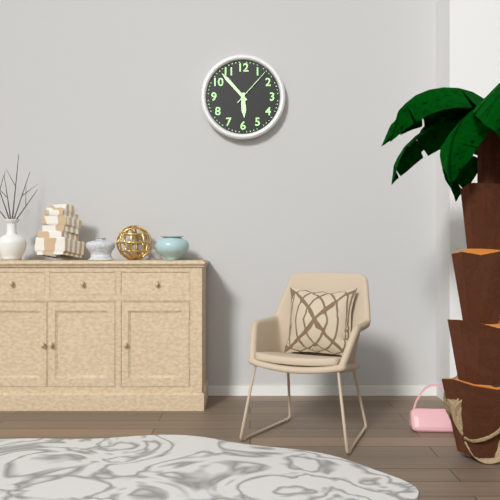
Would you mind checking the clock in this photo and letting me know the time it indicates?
5:53
